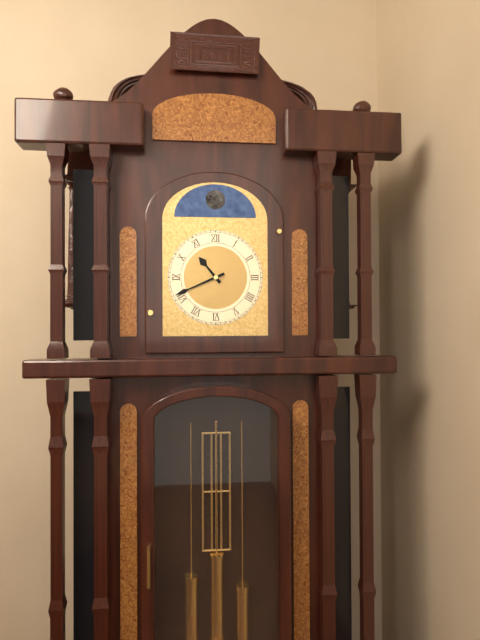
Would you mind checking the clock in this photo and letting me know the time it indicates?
10:41
